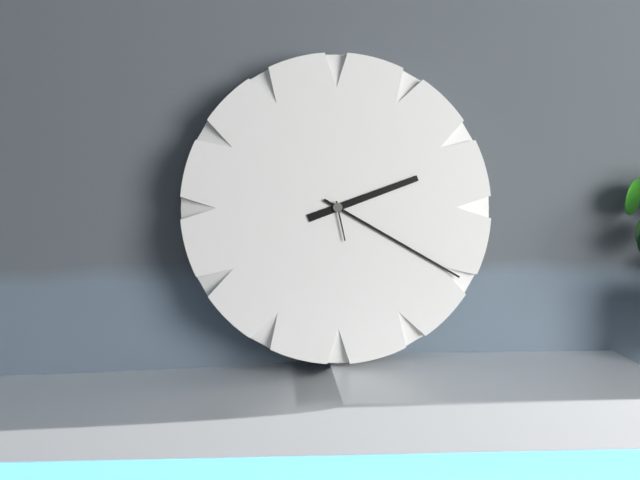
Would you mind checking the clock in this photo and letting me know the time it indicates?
2:20
